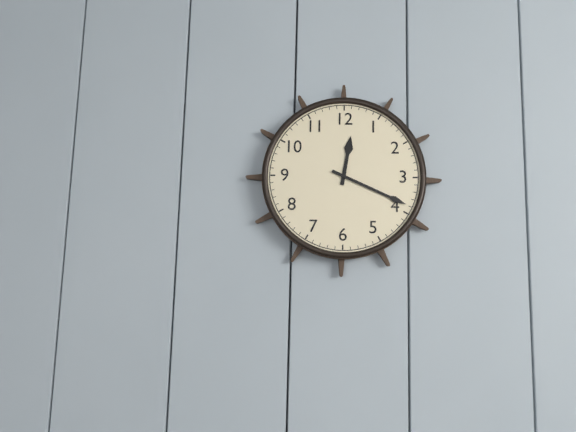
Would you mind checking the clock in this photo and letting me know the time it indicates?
12:19
